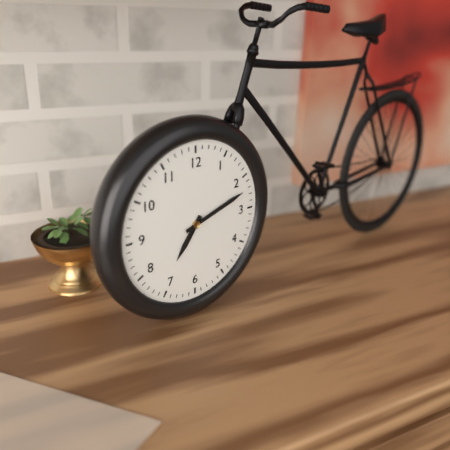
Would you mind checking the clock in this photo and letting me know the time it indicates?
7:12
